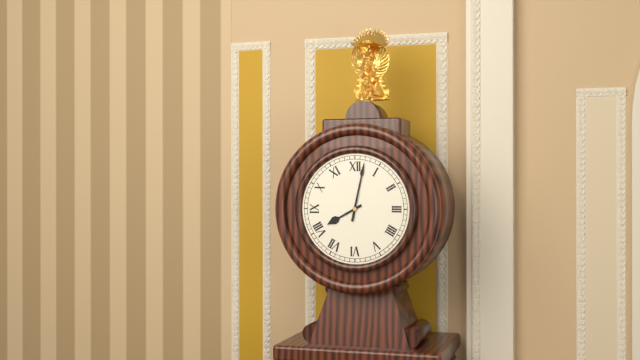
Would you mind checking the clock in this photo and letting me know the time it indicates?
8:02
